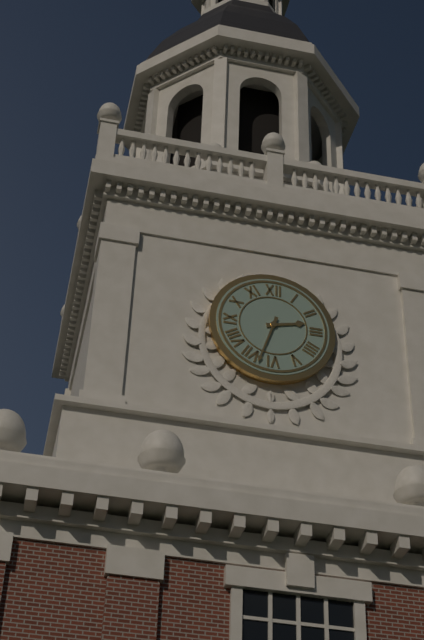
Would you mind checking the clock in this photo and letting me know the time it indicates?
2:33
